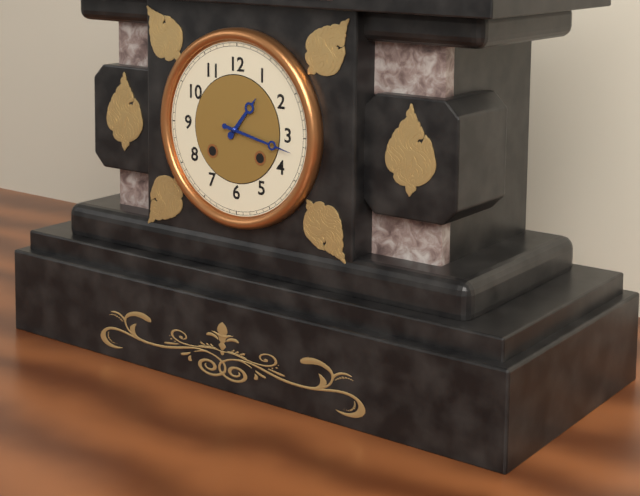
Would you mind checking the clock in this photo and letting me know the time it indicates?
1:17
